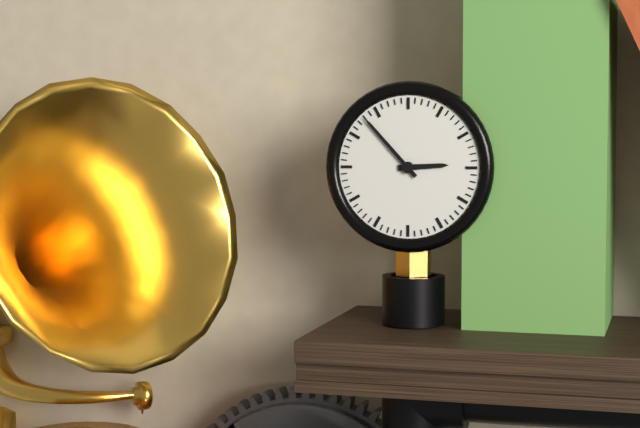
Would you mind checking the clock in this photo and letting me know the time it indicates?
2:53
